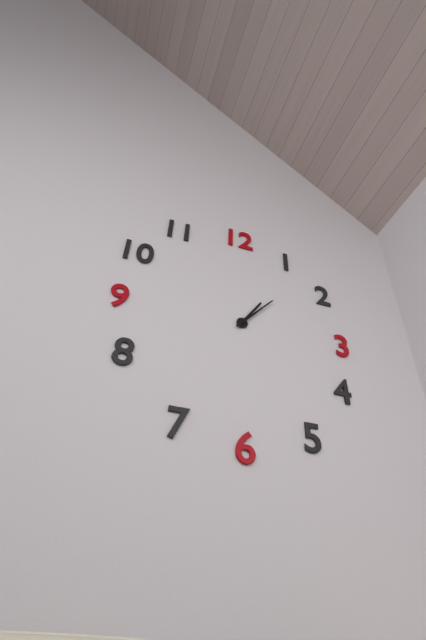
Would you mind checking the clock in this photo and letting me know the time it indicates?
1:07
